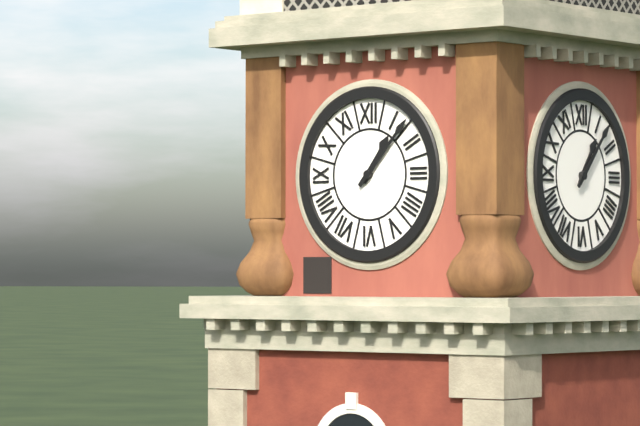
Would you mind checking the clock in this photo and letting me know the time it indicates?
1:07
